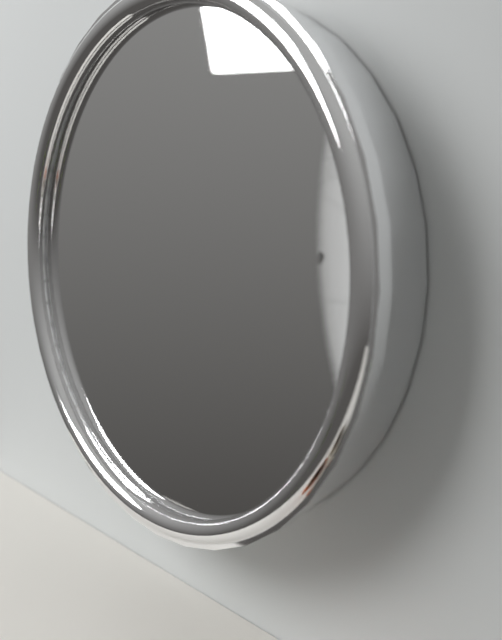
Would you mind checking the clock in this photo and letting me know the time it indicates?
6:48
